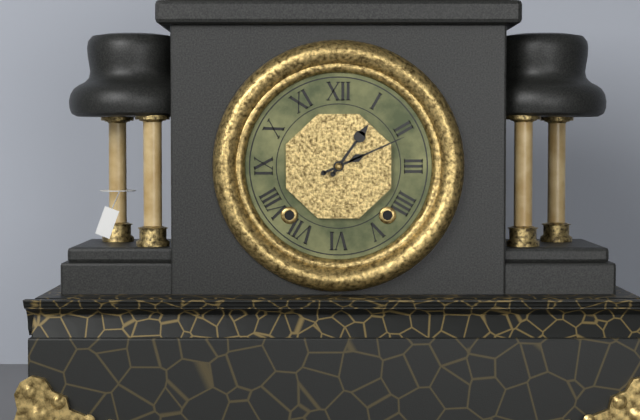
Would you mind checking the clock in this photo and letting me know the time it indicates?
1:11
